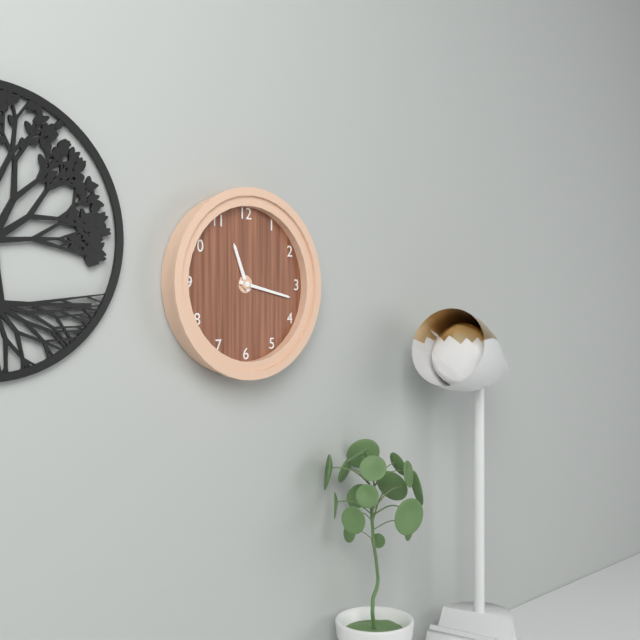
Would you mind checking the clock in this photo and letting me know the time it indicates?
11:17
